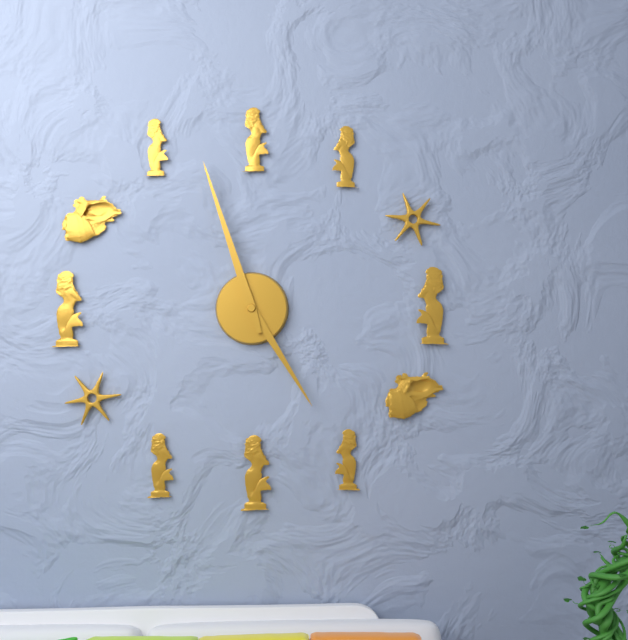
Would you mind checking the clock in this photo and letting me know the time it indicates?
4:57
